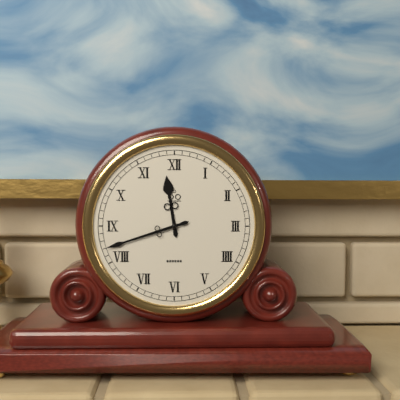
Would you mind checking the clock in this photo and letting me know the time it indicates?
11:42
